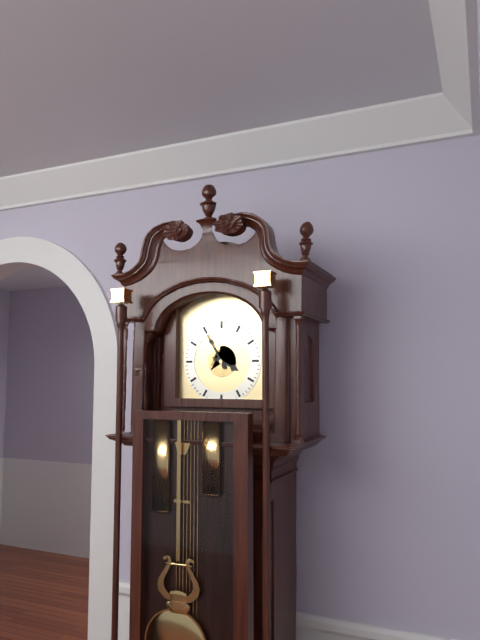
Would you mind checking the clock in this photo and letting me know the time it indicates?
3:55
